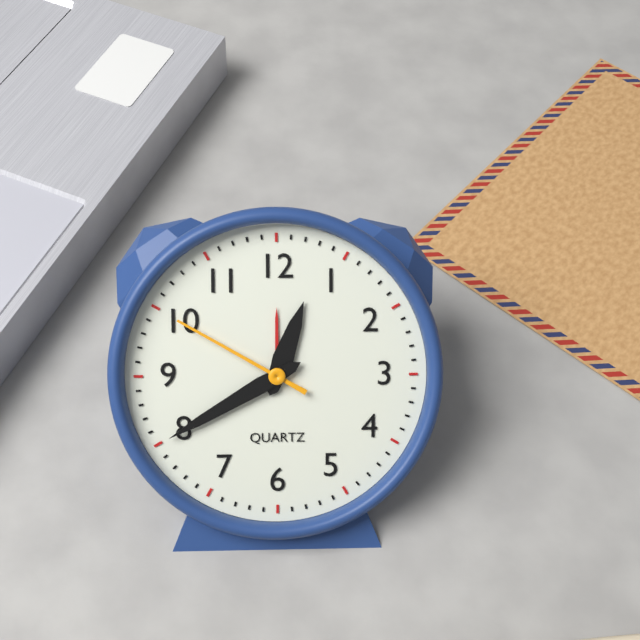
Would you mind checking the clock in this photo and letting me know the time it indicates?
12:40:50
